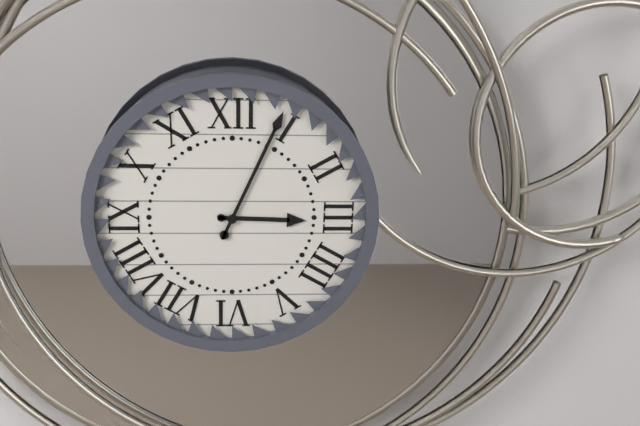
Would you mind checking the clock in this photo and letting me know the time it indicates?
3:04
